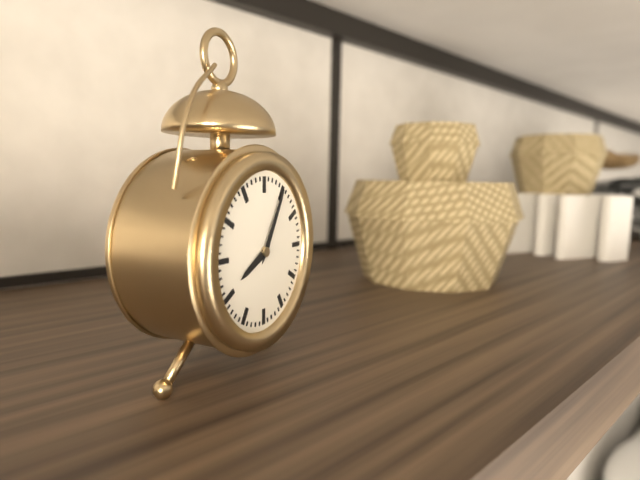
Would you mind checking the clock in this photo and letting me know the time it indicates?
8:05
